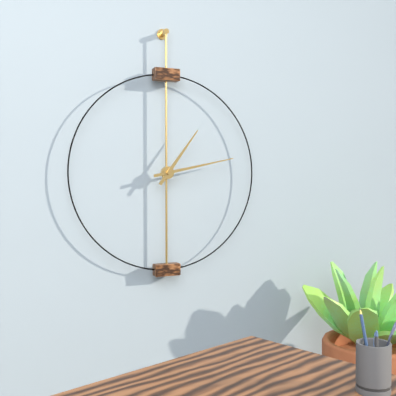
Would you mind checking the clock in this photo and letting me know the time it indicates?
1:13
